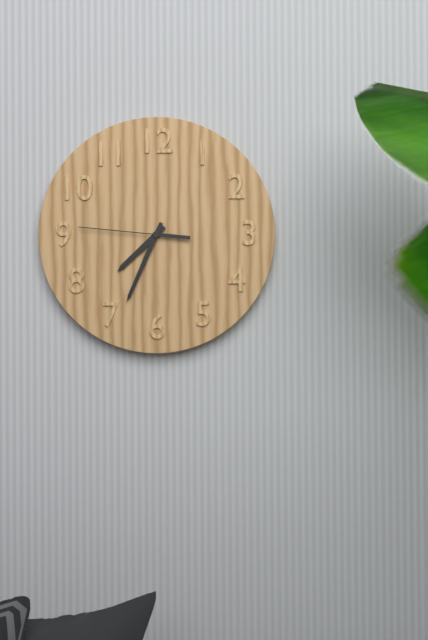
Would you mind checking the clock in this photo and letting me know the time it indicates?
7:34:46
